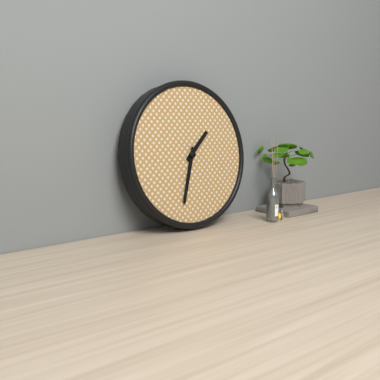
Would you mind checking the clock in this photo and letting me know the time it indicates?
1:33
